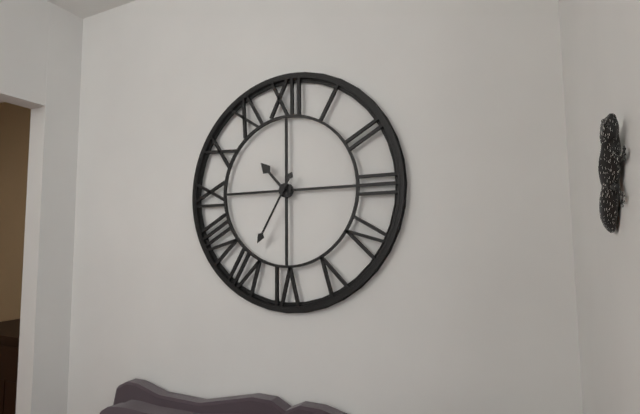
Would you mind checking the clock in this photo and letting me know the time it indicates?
10:35
